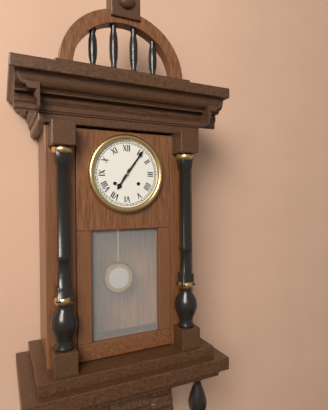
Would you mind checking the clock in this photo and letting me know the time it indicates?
7:06
